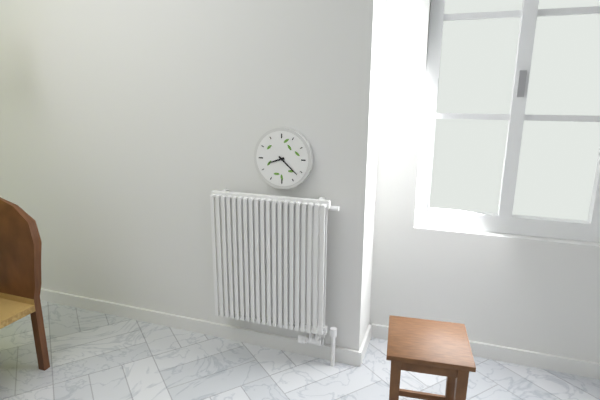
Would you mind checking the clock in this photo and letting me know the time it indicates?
8:22
